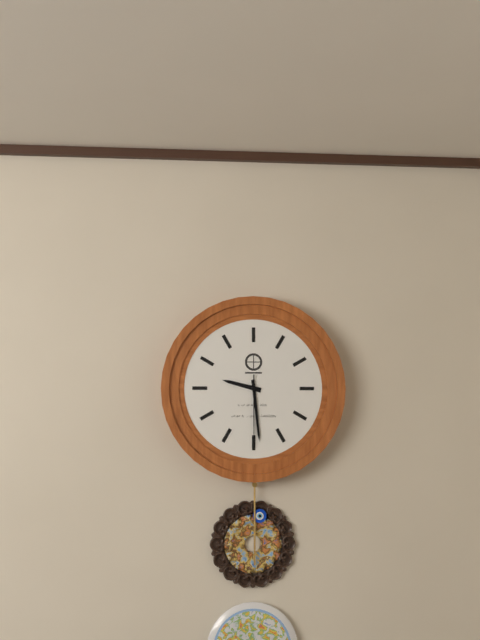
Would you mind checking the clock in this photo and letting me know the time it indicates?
9:29:30
